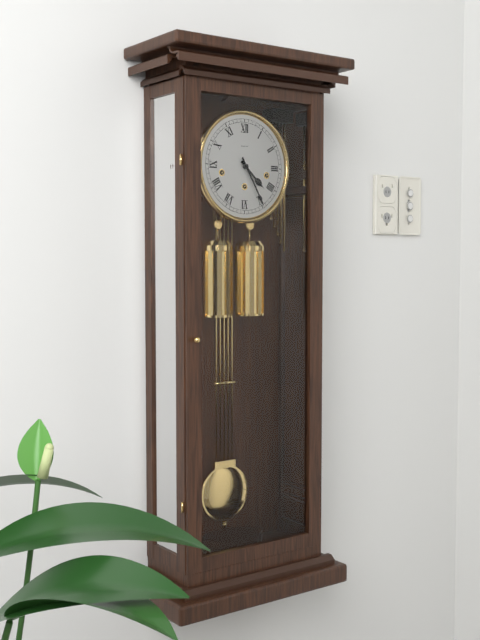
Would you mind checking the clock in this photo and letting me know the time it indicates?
4:25
